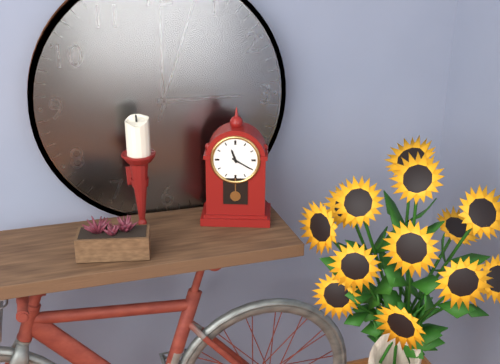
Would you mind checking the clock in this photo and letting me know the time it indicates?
11:20
